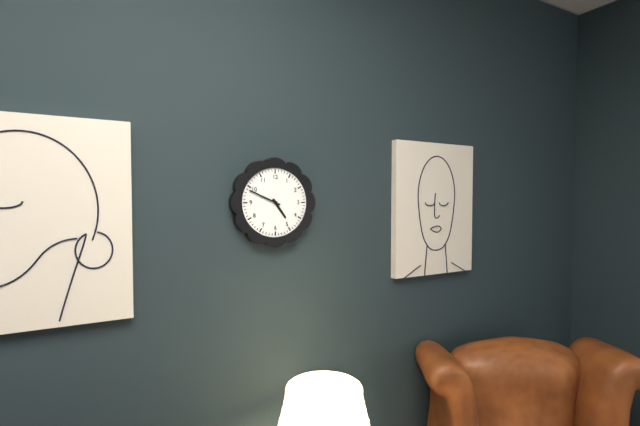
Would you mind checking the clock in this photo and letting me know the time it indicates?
4:49
